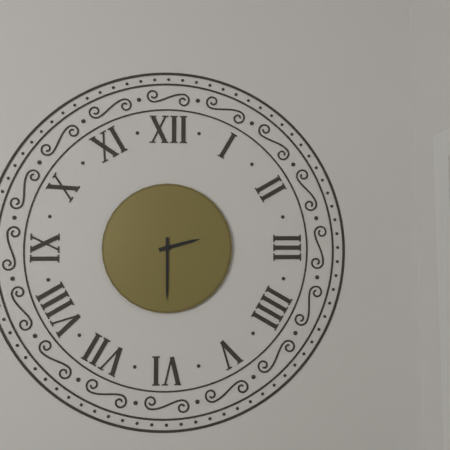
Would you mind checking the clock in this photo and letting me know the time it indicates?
2:30
